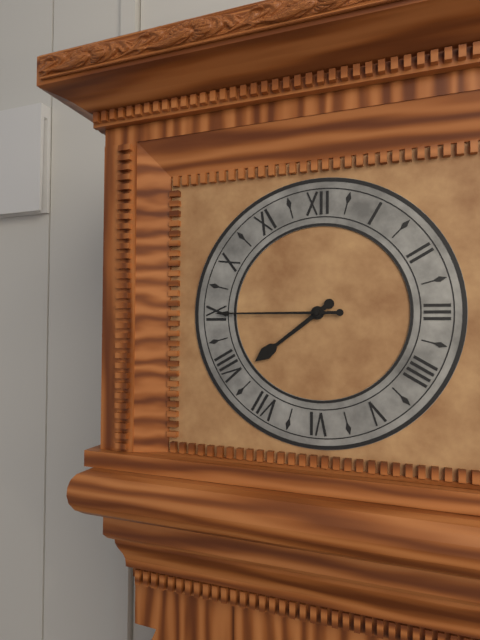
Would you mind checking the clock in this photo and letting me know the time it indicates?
7:45
